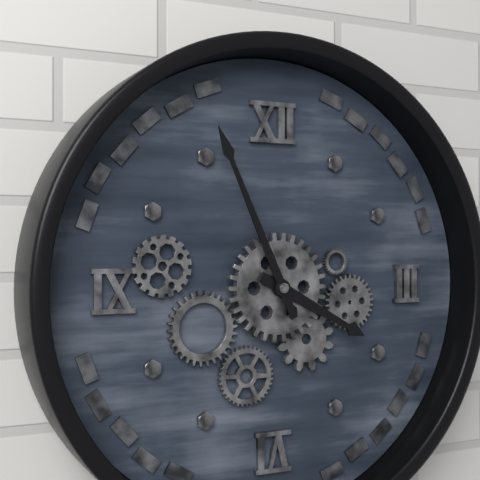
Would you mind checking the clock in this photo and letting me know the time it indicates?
3:56
